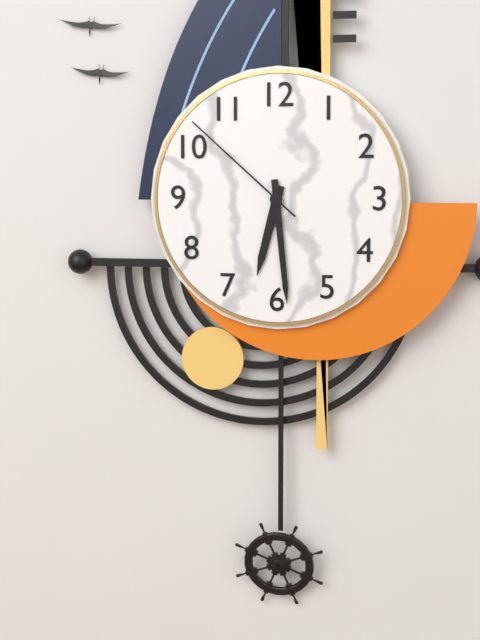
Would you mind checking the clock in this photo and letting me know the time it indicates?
6:29:52
